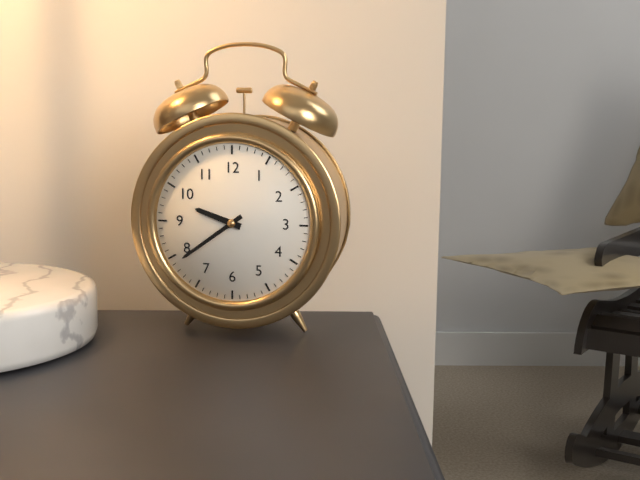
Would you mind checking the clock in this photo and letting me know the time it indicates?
9:39
